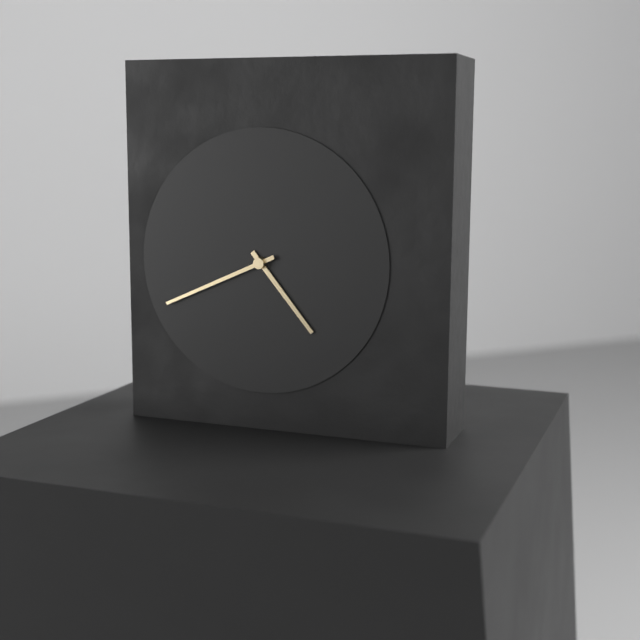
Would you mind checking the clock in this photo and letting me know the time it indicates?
4:41
